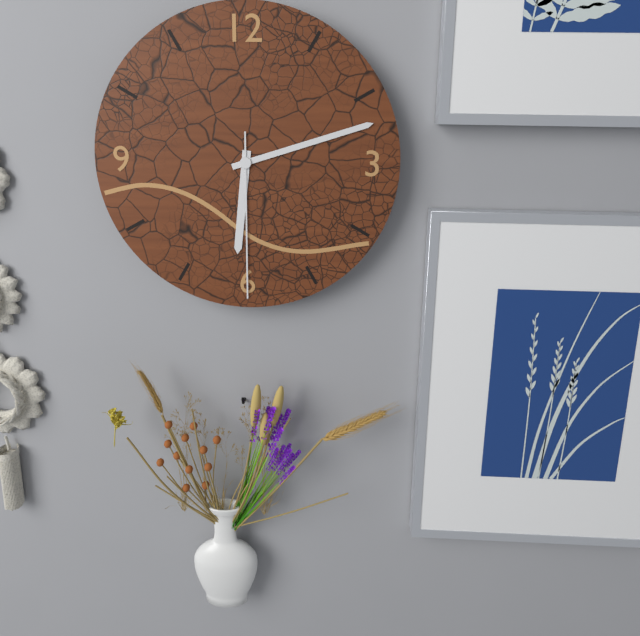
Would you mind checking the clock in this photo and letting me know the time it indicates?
6:12:30
